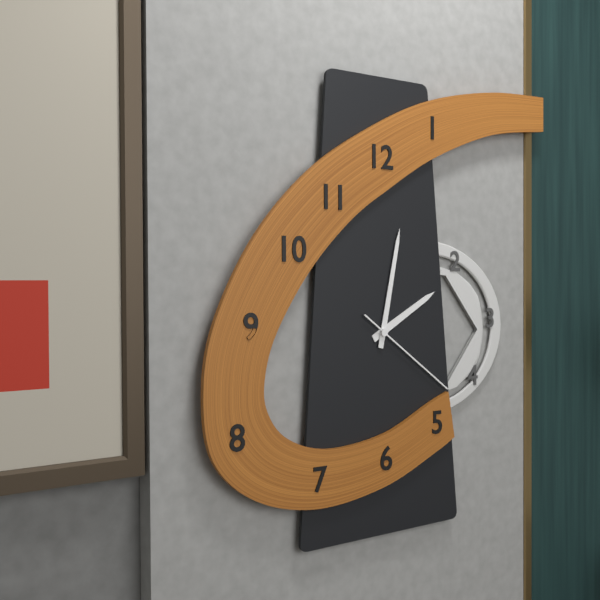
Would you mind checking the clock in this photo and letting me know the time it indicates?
2:02:21
